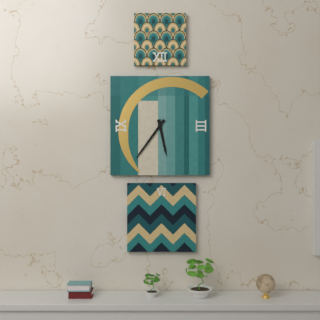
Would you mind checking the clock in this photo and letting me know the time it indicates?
5:36
